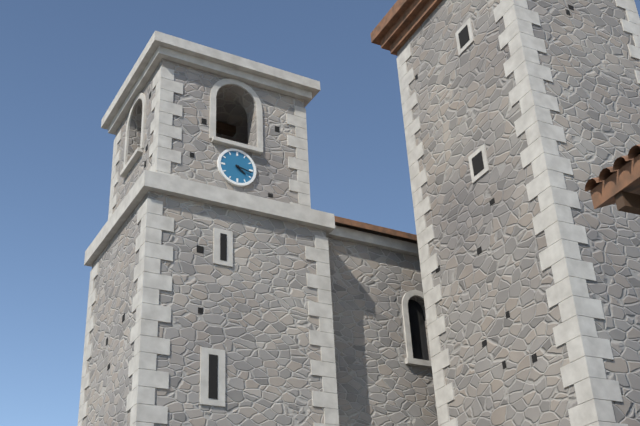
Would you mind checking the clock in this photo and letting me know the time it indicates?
4:17
